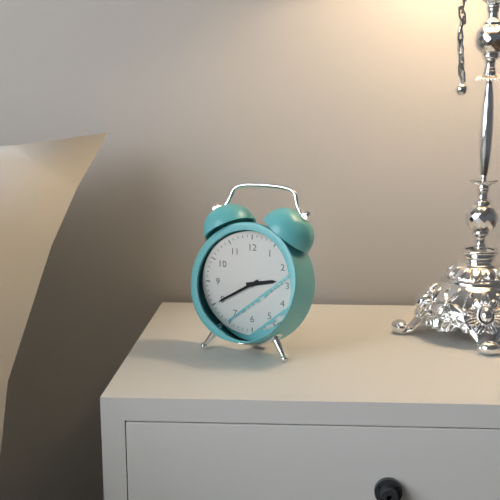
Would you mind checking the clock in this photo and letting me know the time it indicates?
2:40
